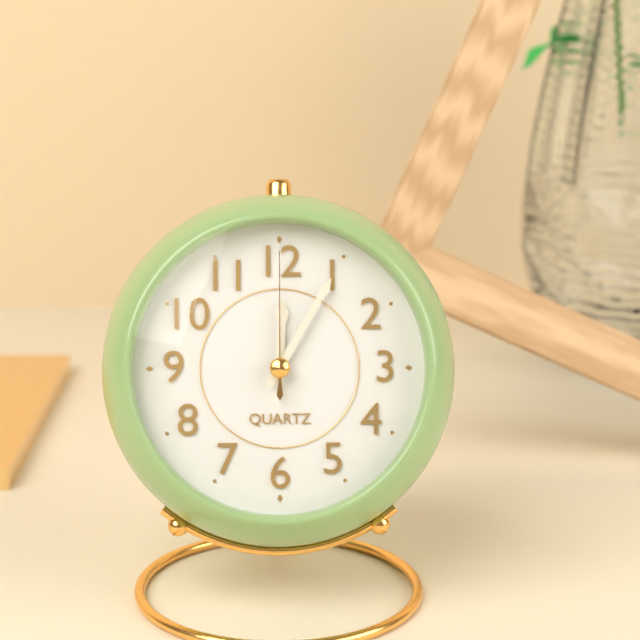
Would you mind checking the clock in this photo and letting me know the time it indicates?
12:05:00
